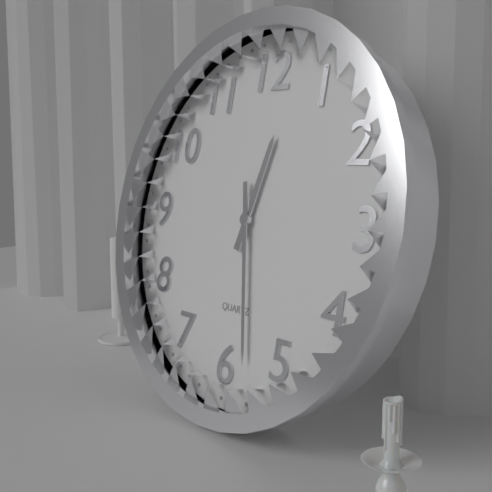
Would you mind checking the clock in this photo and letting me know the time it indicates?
12:28
